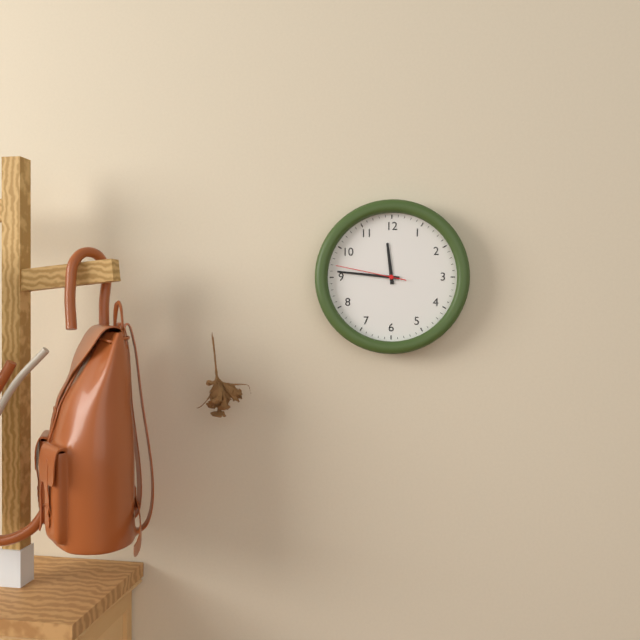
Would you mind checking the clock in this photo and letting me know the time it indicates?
11:46:47
